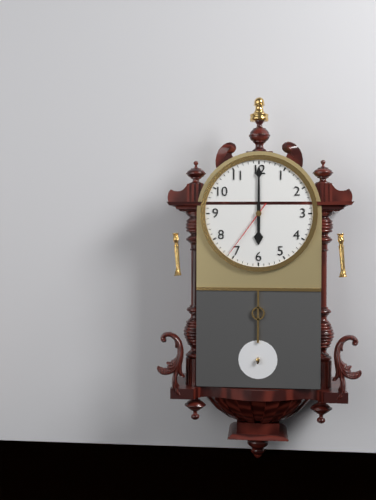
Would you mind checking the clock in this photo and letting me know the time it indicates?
6:00:36
